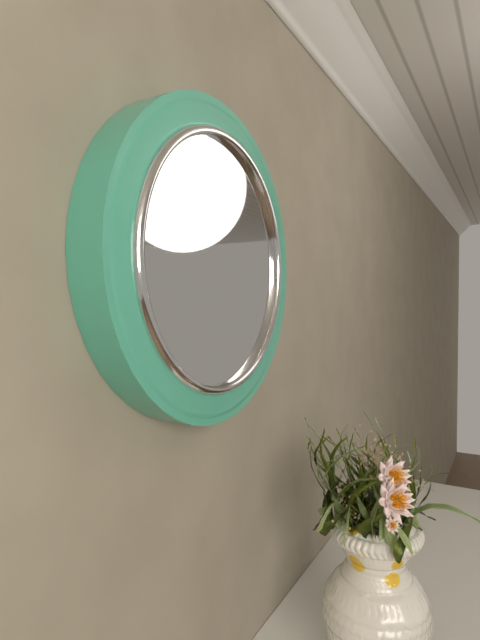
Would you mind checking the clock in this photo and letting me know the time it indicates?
9:48
